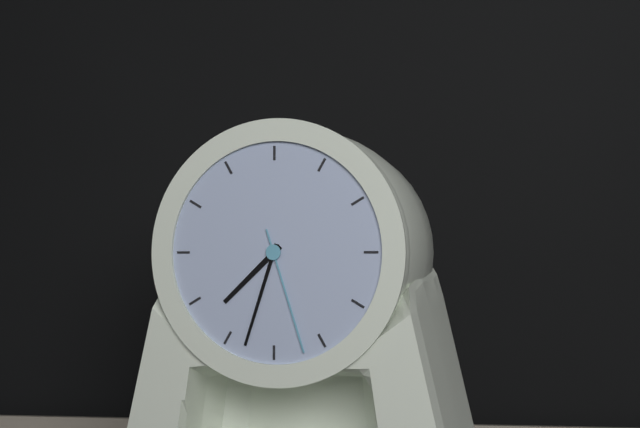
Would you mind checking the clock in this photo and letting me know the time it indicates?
7:33:27
